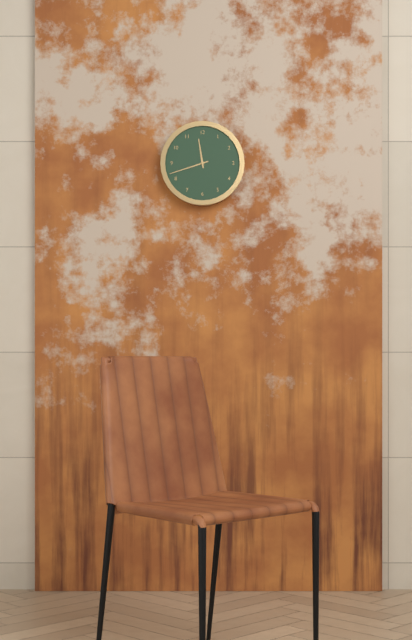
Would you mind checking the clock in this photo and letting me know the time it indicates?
11:42
